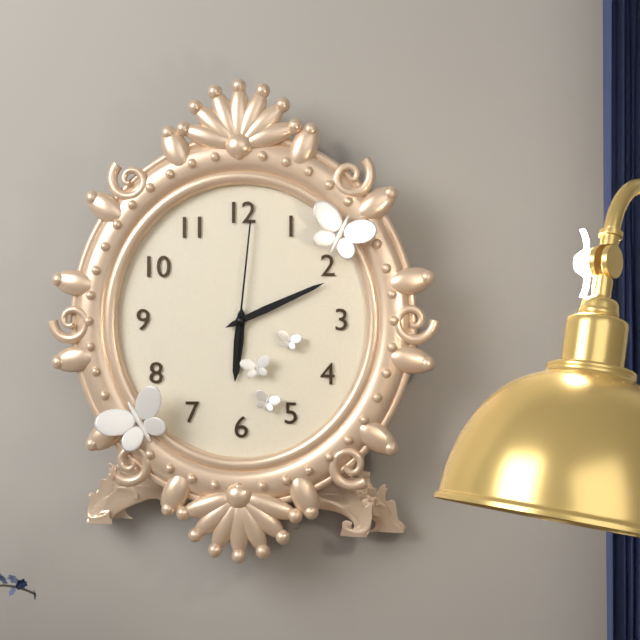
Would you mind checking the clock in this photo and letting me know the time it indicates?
6:11:01
